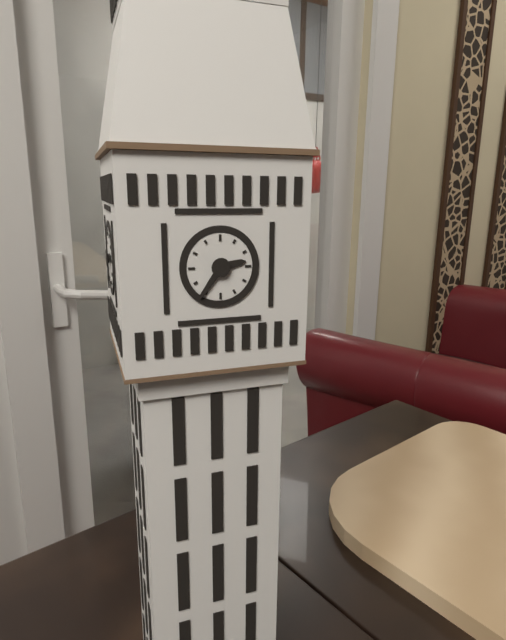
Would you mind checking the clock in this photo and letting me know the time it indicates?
2:36
